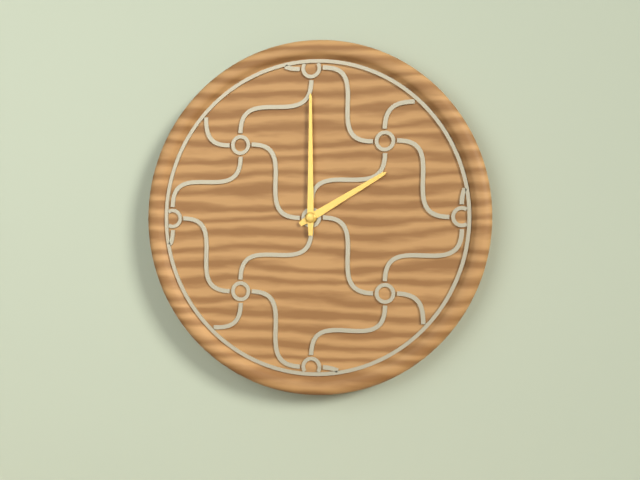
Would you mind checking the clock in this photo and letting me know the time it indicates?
2:00
